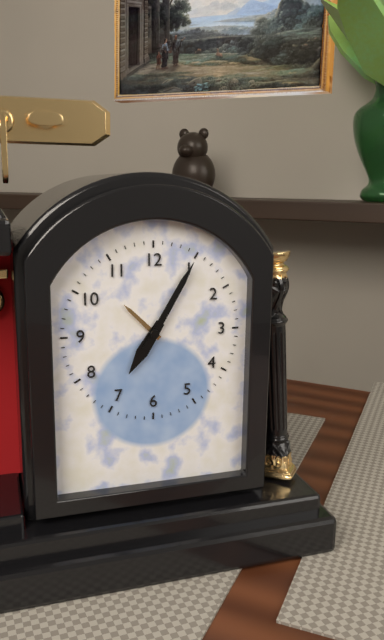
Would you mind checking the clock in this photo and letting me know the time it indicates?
7:05
